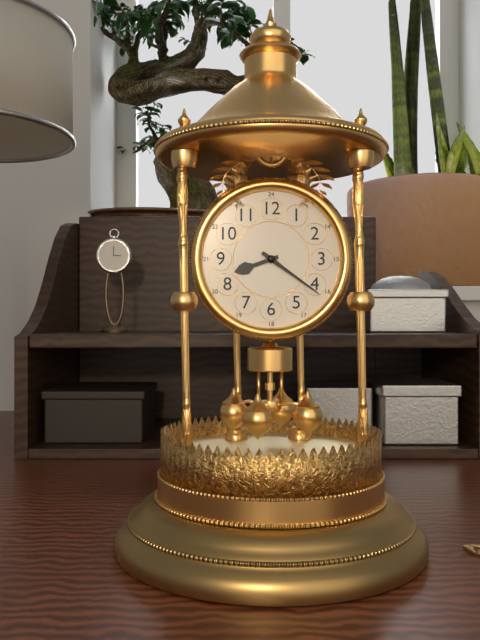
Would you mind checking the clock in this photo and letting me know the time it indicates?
8:21
